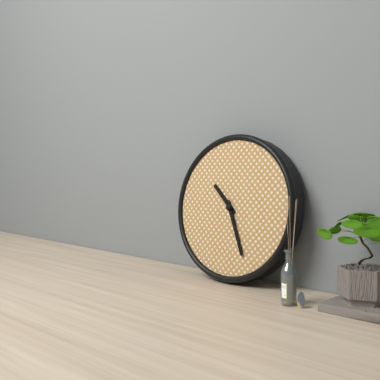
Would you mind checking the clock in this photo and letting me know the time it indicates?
10:26
